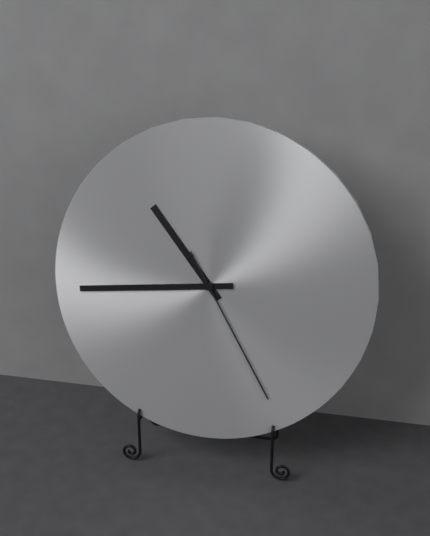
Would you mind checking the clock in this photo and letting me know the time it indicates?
10:44:25
